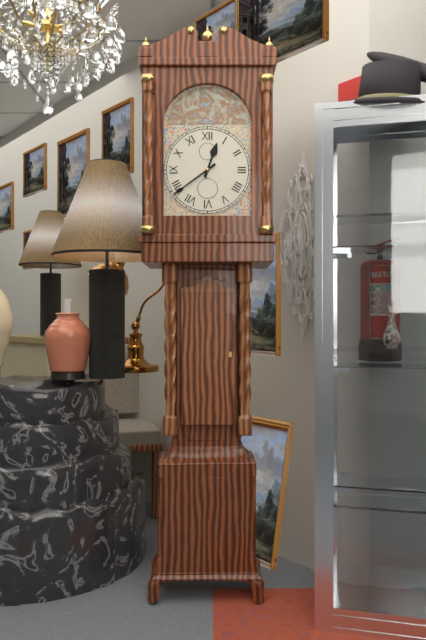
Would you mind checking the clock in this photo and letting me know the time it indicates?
12:39
